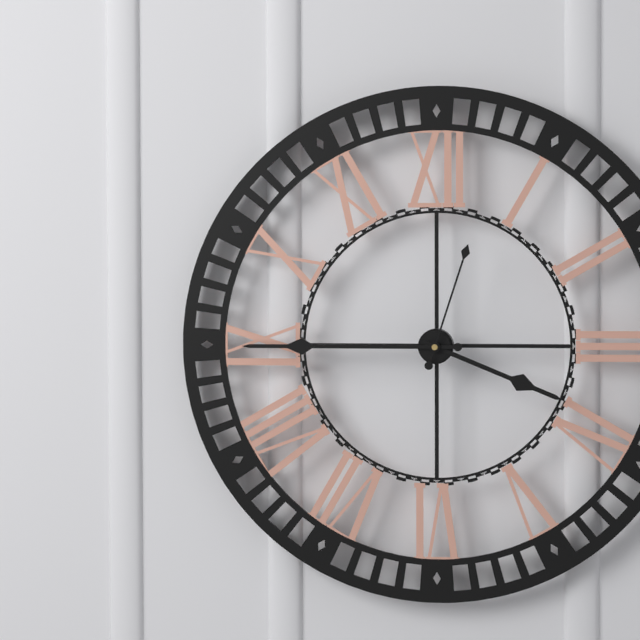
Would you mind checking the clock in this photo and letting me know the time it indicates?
3:45:03
